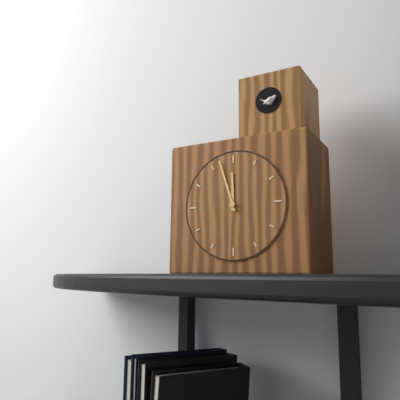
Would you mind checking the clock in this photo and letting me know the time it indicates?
11:57
